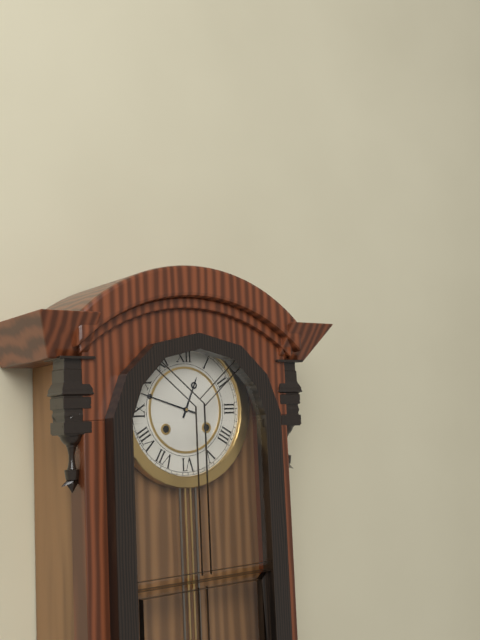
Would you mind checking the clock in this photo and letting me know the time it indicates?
12:48
